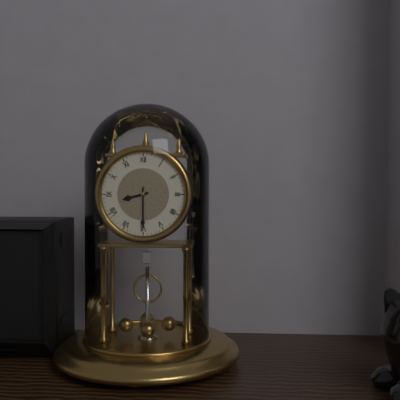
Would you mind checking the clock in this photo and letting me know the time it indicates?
8:30
